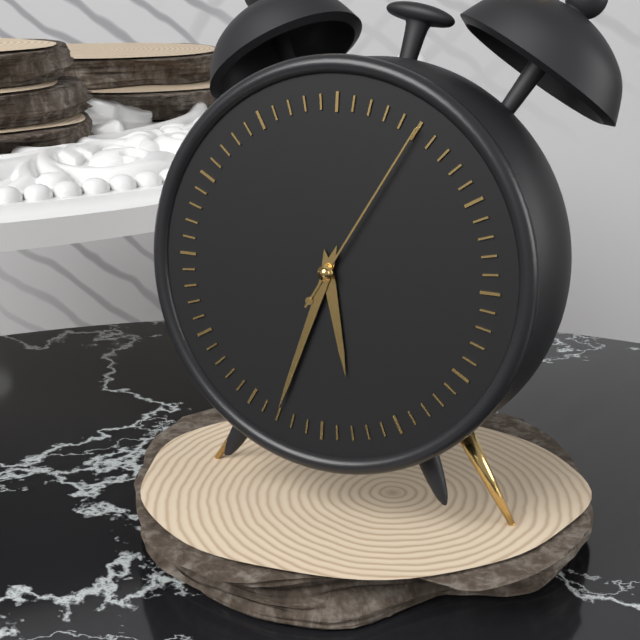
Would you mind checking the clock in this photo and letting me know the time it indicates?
5:33:05
